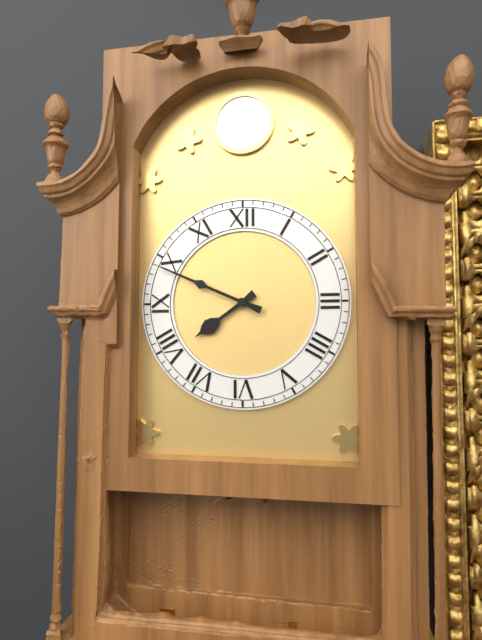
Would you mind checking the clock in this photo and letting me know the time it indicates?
7:49
